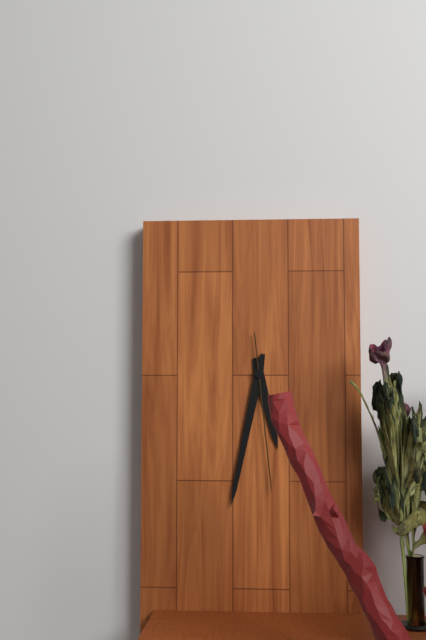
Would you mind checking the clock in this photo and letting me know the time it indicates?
5:32:29
